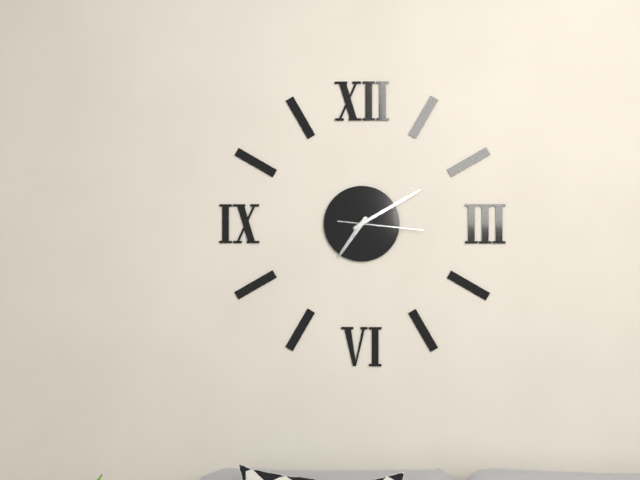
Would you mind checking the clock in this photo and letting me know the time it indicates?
7:10:16
